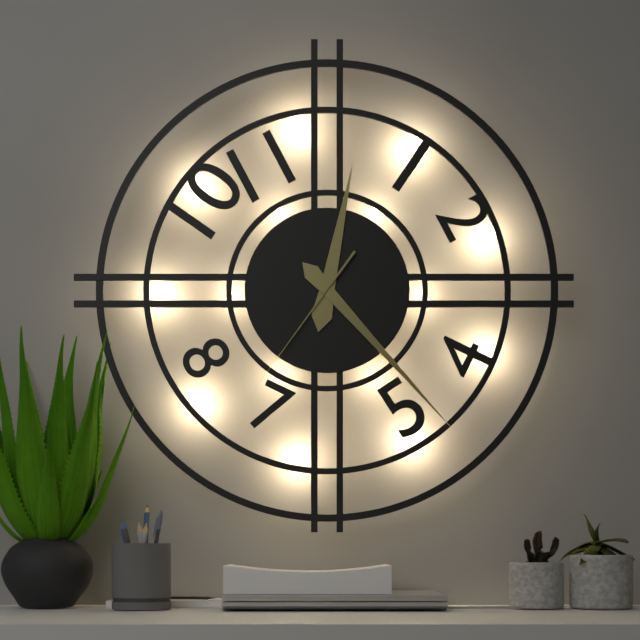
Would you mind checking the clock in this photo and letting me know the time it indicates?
12:23:36
